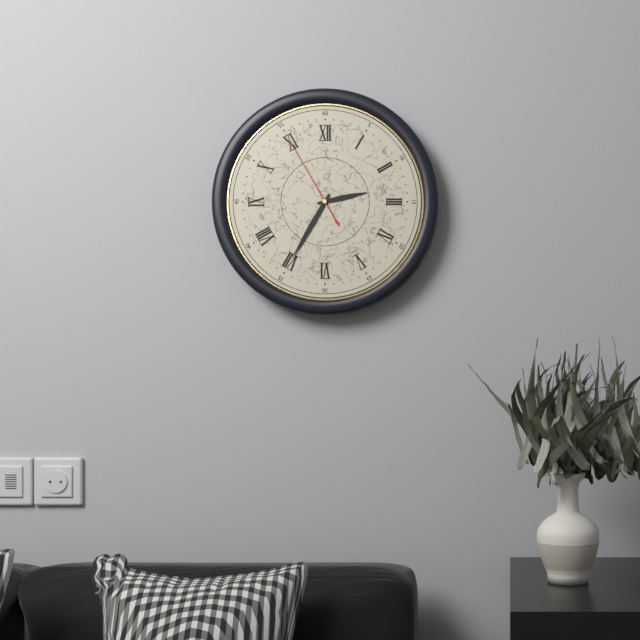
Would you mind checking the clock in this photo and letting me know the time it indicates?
2:35:55
